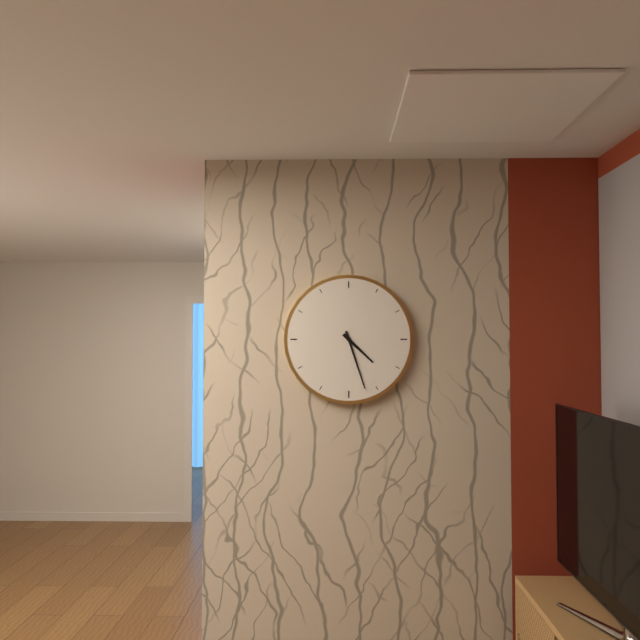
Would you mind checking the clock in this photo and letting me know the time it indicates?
4:27
